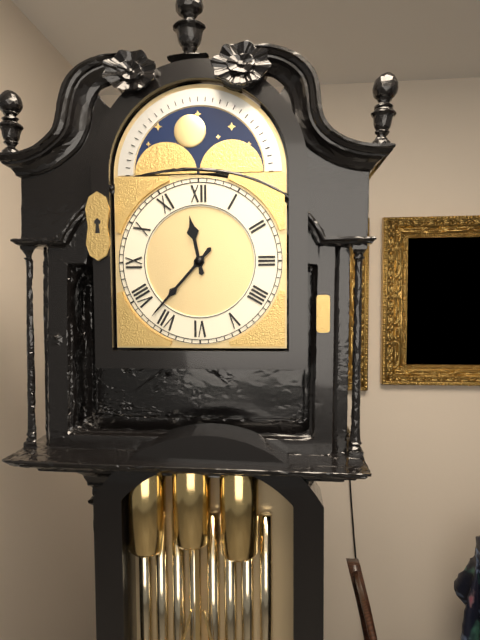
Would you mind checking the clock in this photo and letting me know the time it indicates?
11:37
